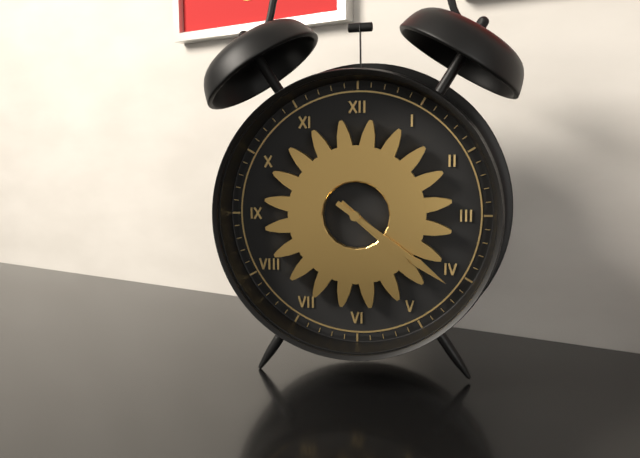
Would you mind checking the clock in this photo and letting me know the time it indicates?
4:21
